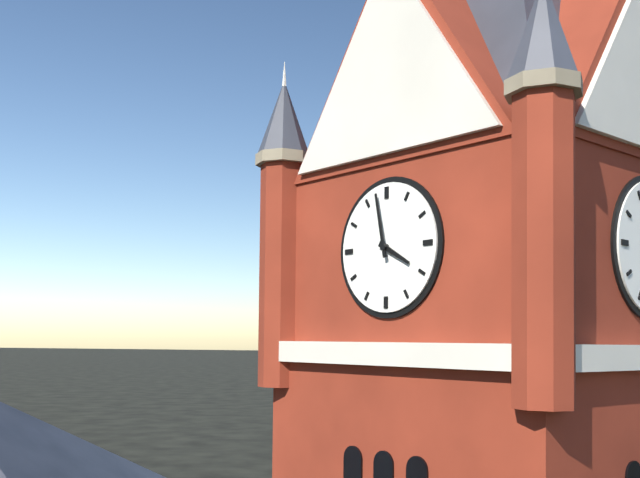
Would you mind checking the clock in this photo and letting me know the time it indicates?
3:58
